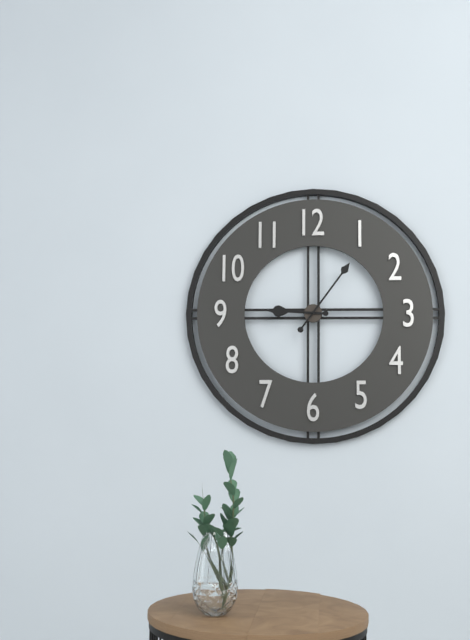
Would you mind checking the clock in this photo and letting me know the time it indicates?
9:06
